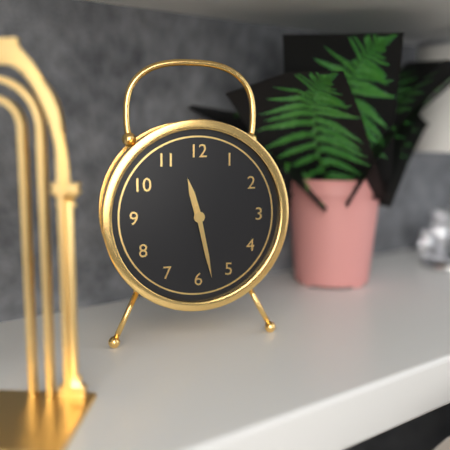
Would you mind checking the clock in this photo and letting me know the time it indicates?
11:28
